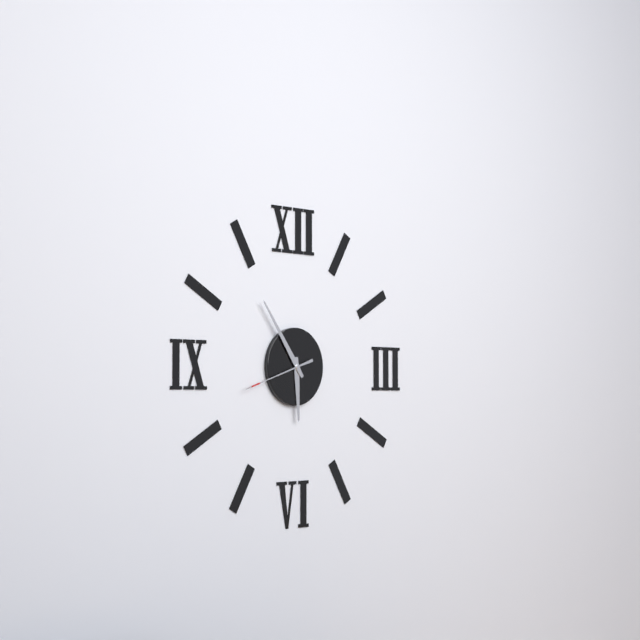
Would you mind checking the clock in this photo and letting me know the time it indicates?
5:54:42
